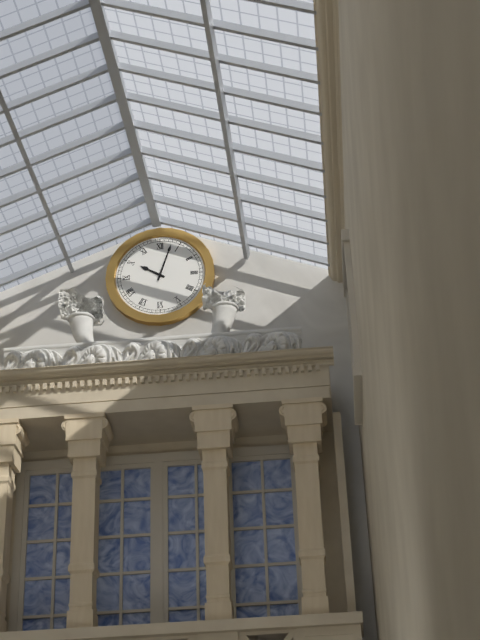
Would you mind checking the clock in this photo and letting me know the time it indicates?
10:03
